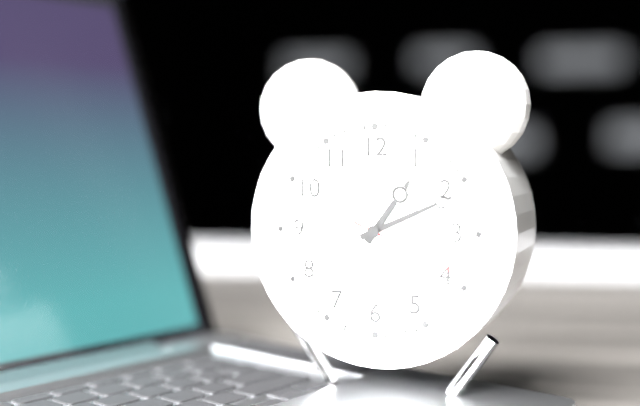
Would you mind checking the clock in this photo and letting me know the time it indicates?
1:11:19
